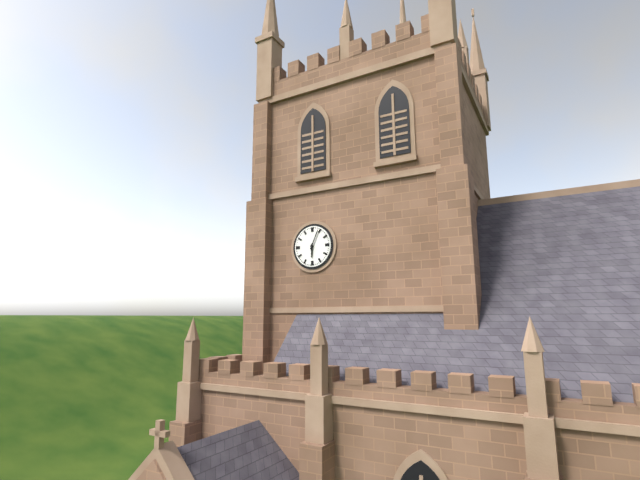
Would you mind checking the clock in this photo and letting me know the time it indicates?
6:04
